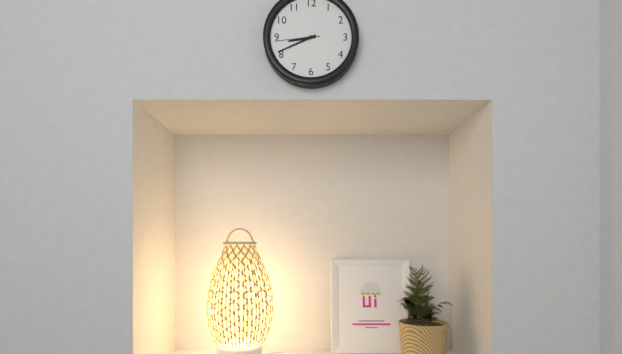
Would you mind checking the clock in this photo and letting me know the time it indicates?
8:41
